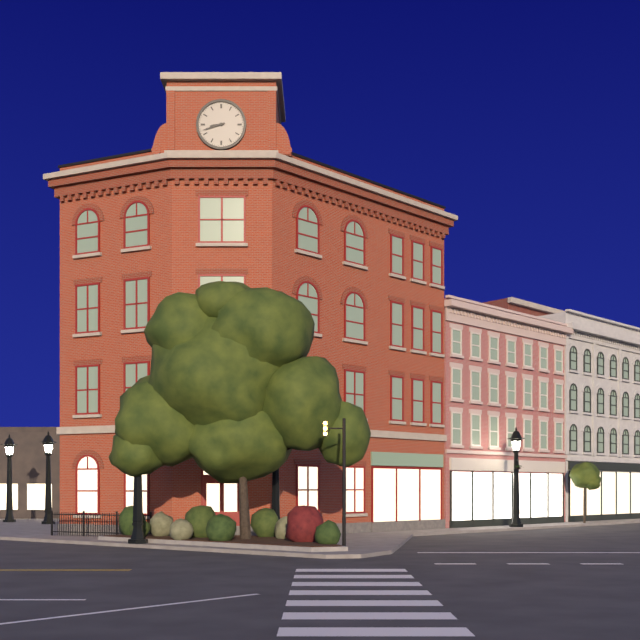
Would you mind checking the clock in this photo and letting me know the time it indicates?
8:42
